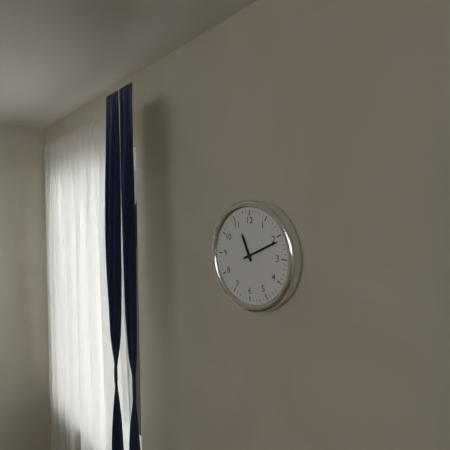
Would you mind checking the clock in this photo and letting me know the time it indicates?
11:11
